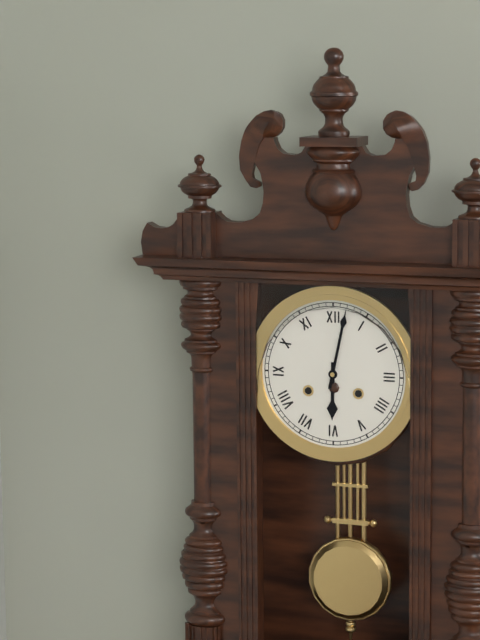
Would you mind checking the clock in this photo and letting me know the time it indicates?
6:02
